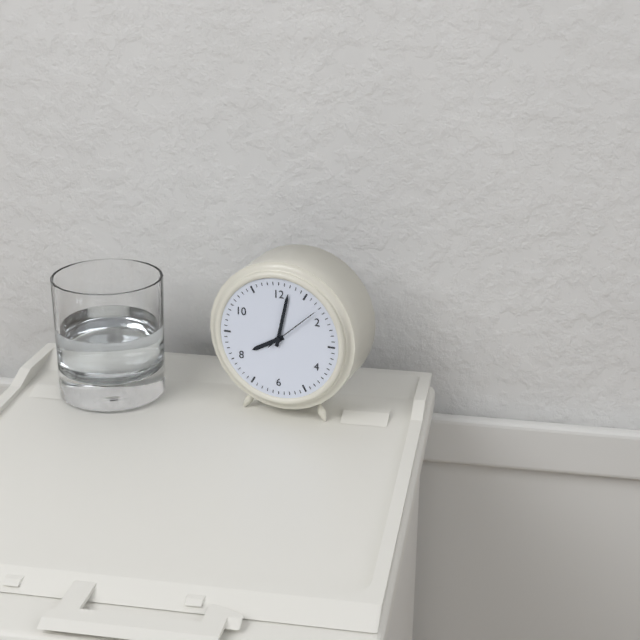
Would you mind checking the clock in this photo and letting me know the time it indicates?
8:02:08
